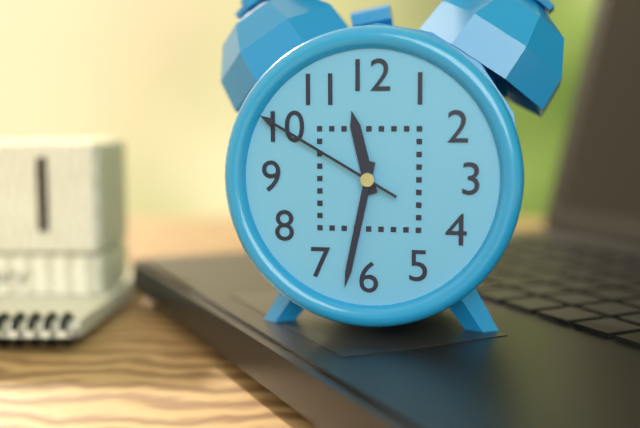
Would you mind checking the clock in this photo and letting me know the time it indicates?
11:32:50
